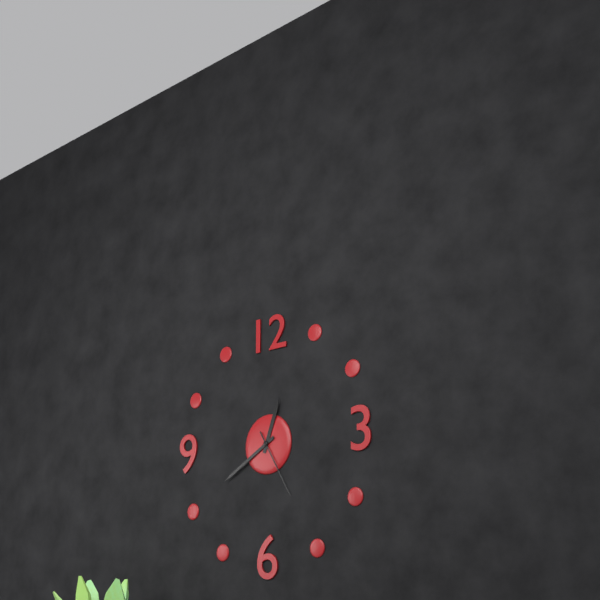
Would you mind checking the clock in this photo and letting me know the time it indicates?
12:40:25
